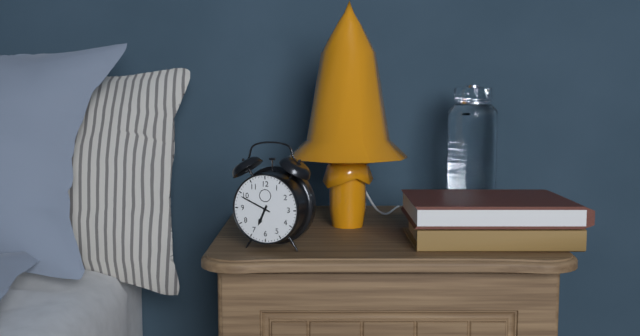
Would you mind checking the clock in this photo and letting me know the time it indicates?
6:49
